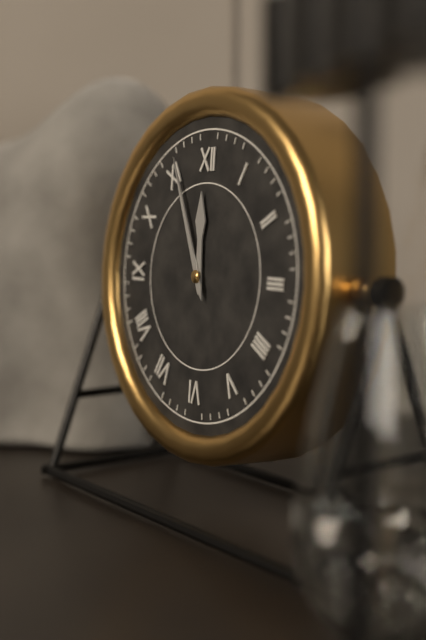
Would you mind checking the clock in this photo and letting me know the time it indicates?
11:56
